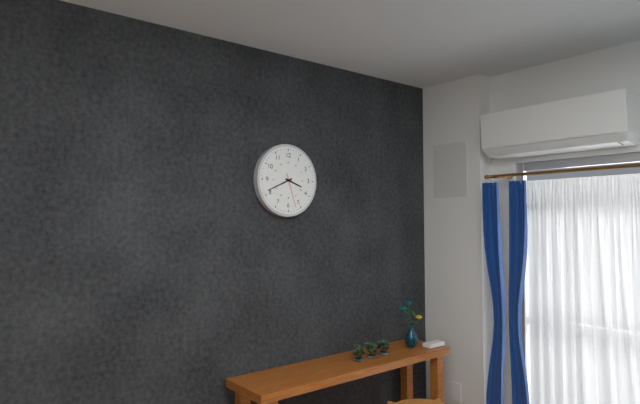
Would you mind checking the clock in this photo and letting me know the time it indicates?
3:41
